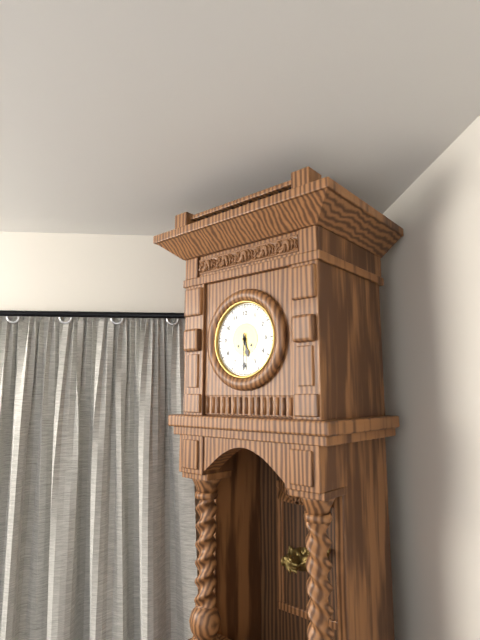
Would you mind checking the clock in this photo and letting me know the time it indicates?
5:30
